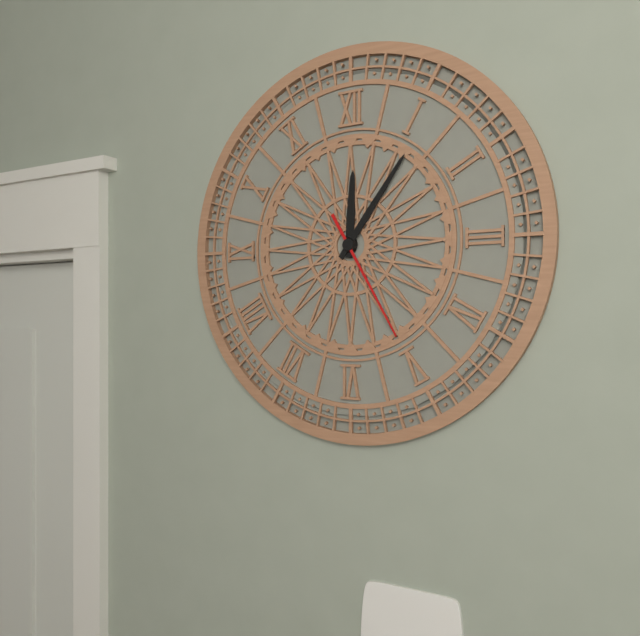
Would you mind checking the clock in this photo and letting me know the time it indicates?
12:06:25
